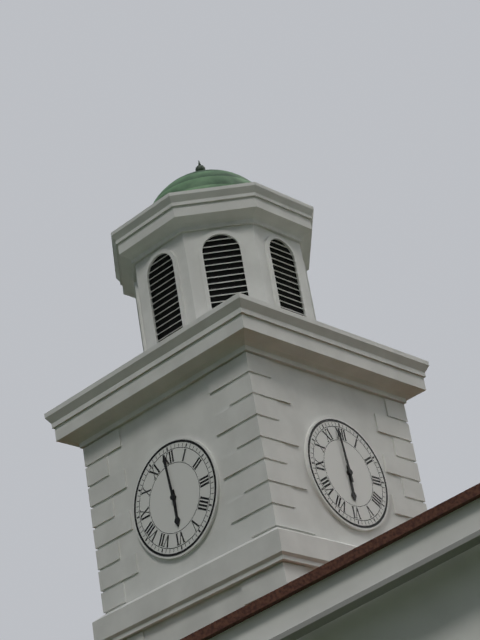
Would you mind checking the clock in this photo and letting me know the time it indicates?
5:59
